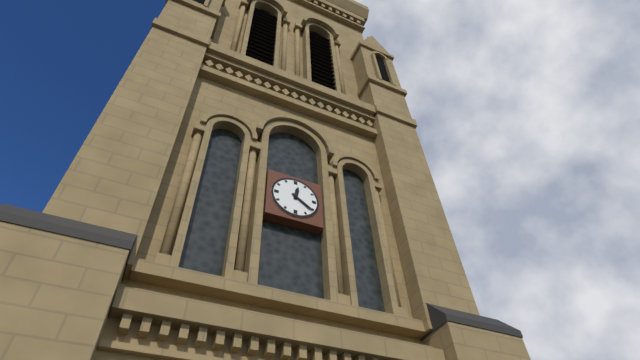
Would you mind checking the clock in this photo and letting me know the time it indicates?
12:21
